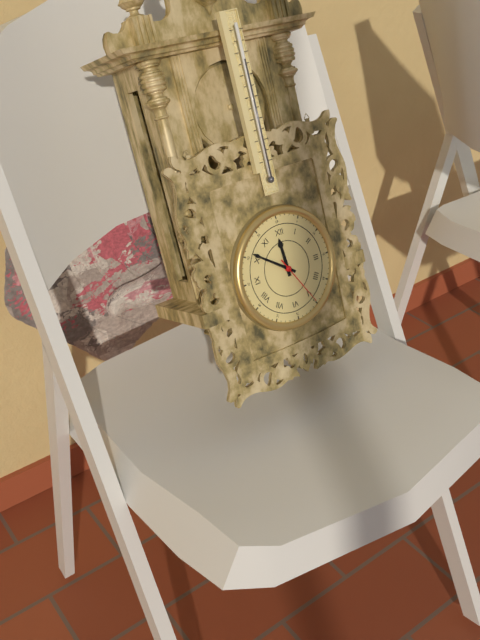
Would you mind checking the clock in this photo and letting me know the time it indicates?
11:51:25
